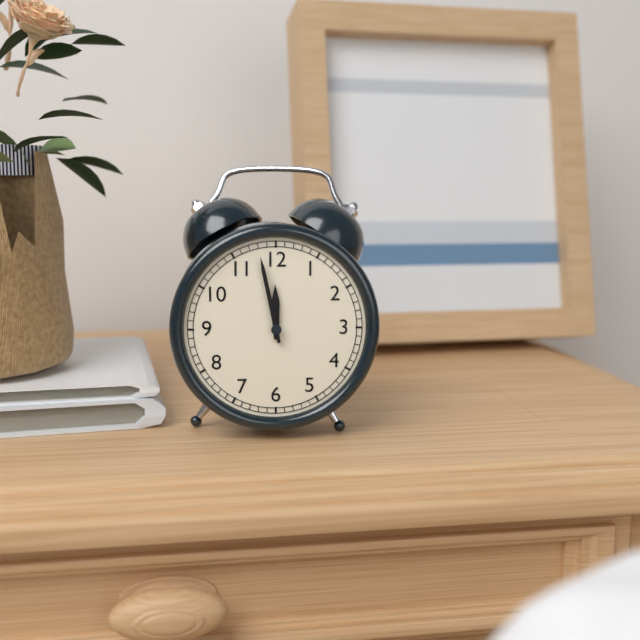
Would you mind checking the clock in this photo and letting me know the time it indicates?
11:58
